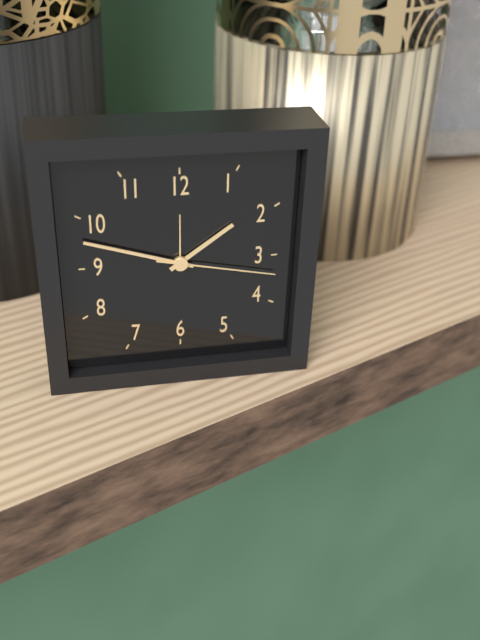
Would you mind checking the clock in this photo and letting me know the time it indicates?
1:48:17
